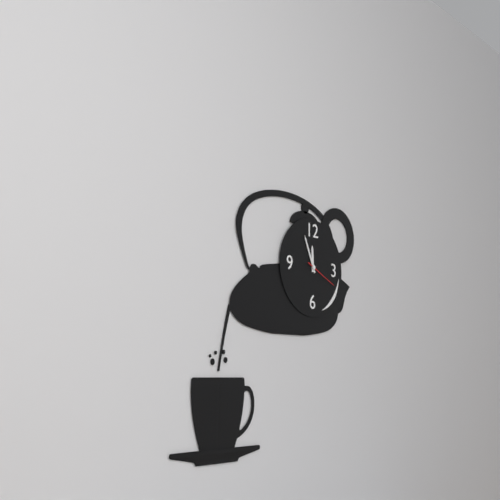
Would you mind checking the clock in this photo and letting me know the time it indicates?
11:56
